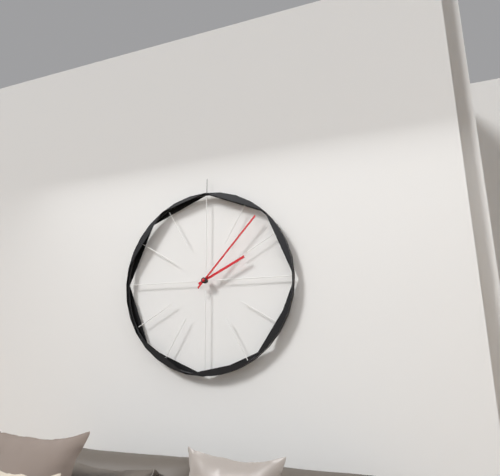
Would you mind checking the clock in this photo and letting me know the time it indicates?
2:07
